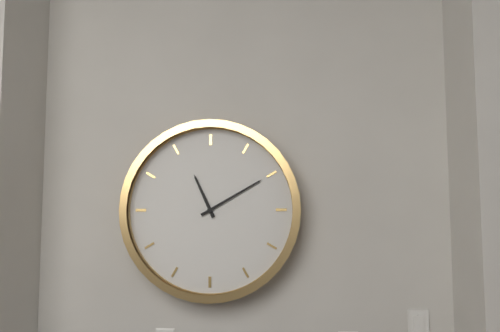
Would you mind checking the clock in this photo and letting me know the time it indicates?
11:10
